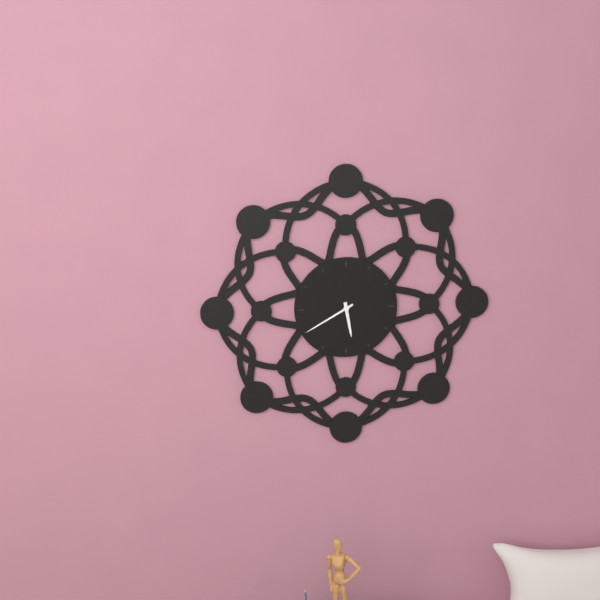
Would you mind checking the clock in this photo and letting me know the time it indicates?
5:40
